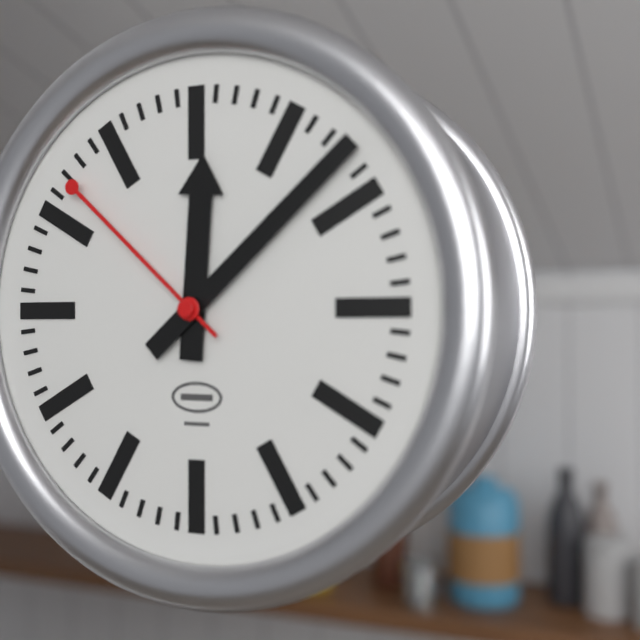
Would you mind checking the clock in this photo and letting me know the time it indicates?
12:08:52
